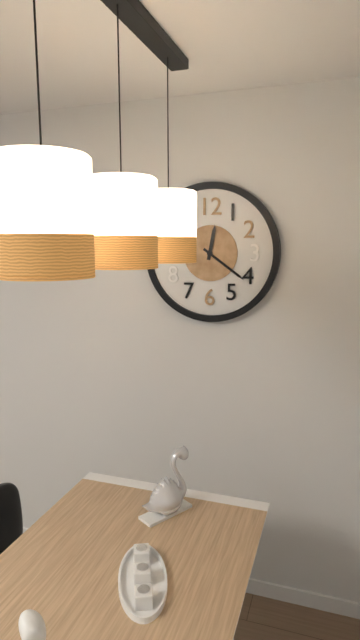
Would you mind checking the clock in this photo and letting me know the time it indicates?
12:21
